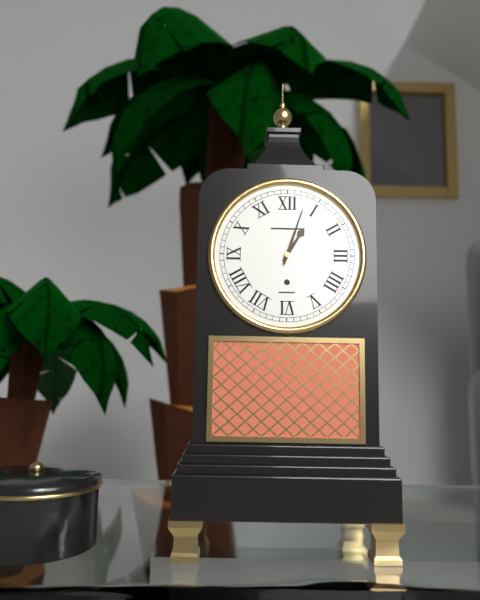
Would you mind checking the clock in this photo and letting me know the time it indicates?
1:03
